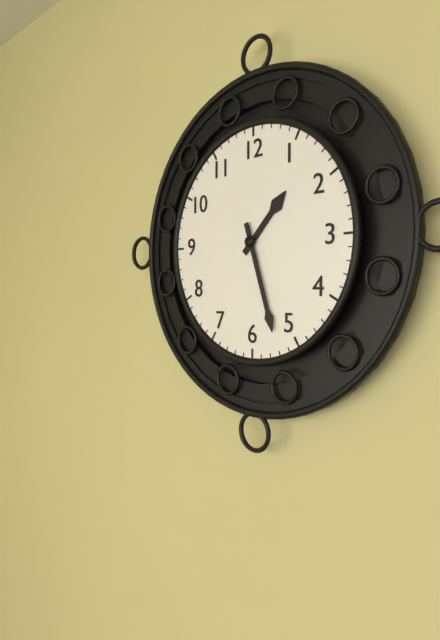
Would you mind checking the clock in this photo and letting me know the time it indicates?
1:27
